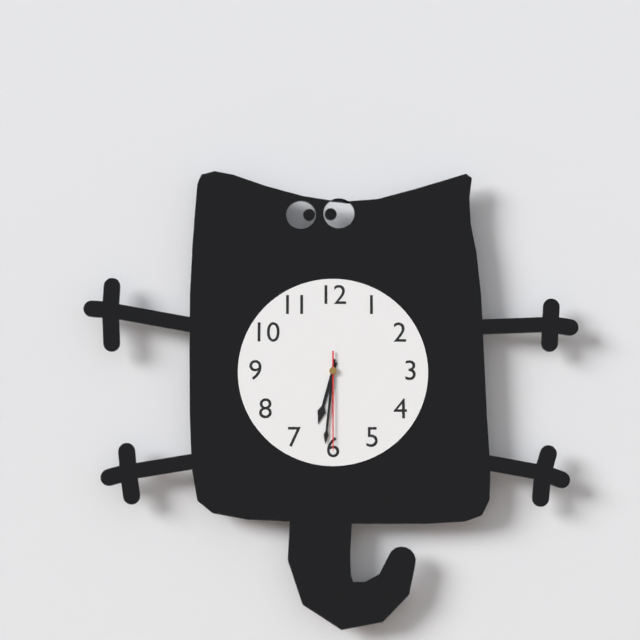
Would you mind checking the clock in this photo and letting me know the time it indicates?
6:31:30
